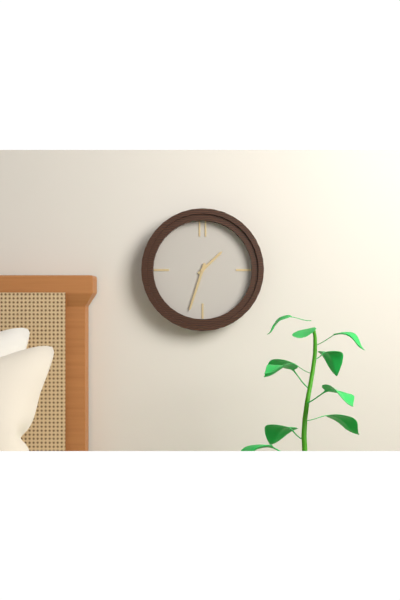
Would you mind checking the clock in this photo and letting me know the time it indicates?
1:33
